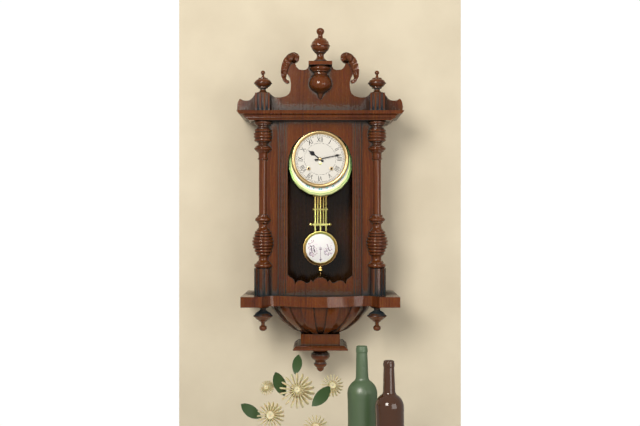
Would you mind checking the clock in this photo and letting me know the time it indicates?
10:13
